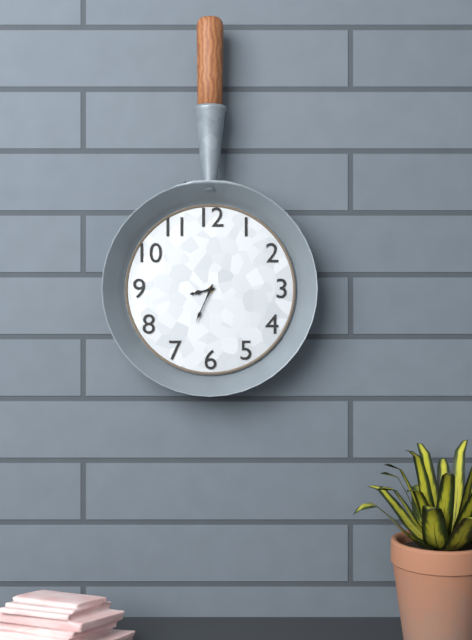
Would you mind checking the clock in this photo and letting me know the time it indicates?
8:34
